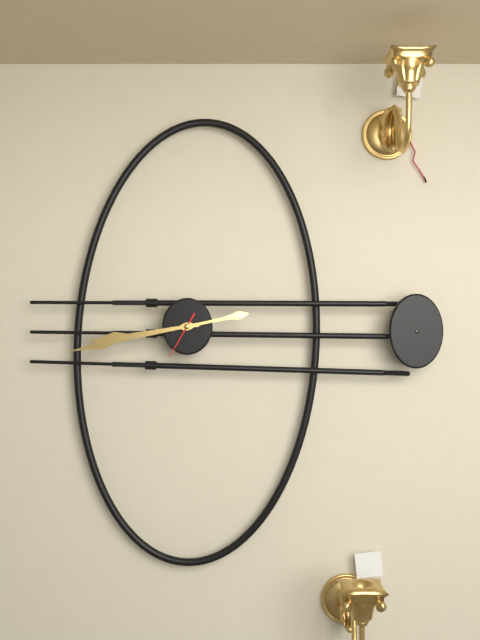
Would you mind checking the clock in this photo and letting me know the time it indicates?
8:43
